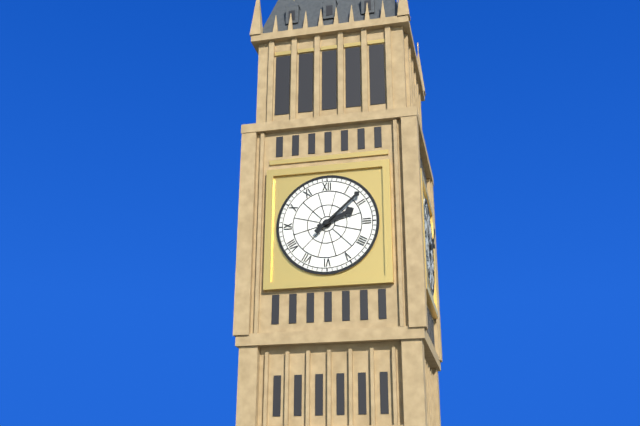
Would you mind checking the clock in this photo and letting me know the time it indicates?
2:08
